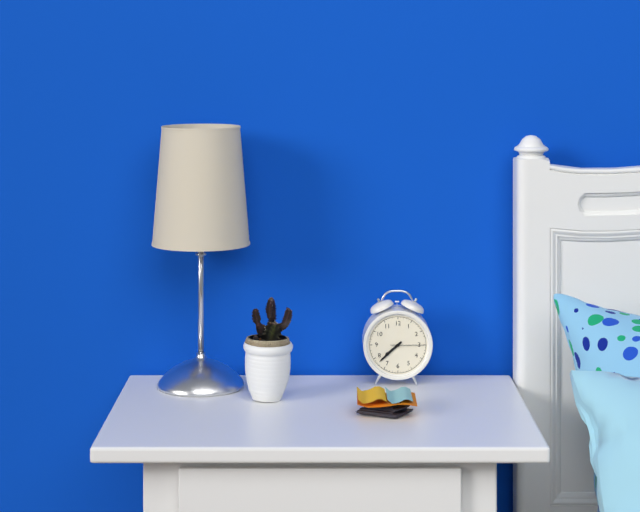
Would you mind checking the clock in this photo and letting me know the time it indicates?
7:38
